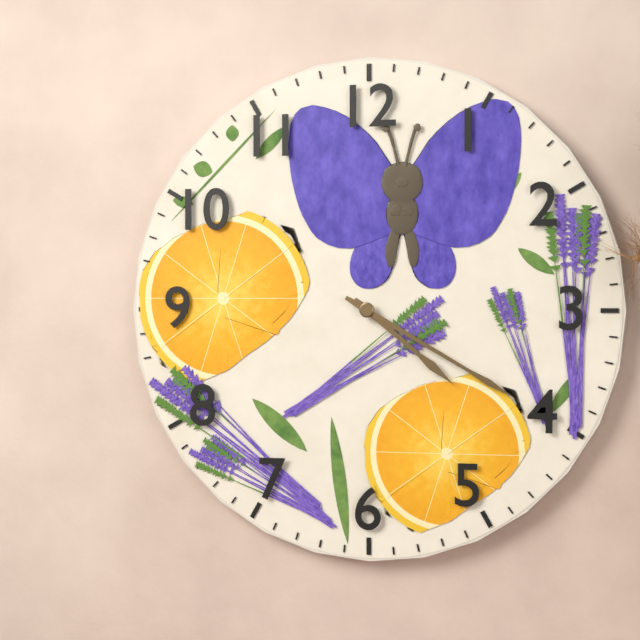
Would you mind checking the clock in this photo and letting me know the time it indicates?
4:20
